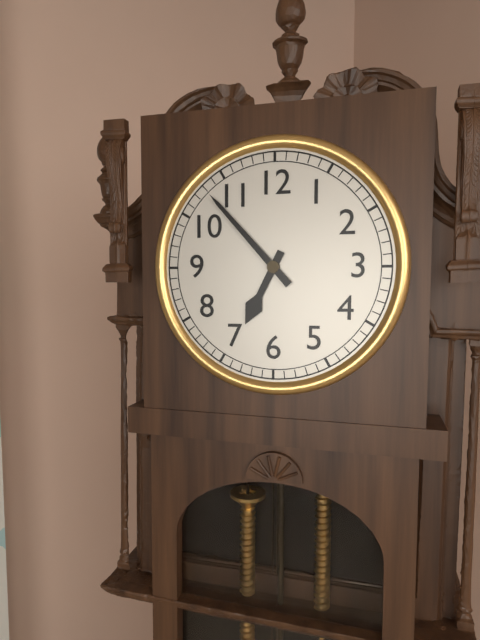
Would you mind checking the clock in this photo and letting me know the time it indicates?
6:53
